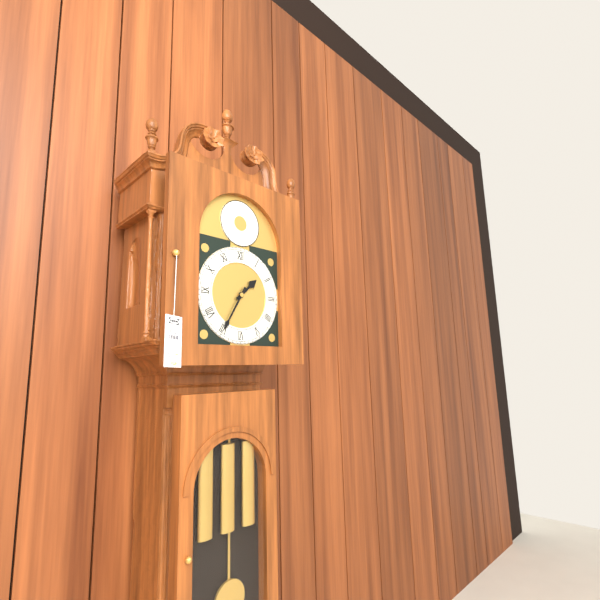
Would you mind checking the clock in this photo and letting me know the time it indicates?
1:35
